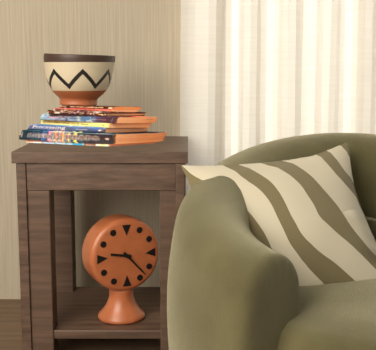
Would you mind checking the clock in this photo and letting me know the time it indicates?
9:23
